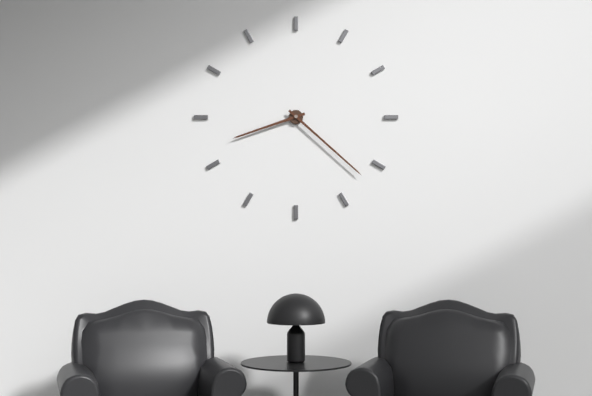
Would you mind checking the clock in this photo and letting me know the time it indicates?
8:22
